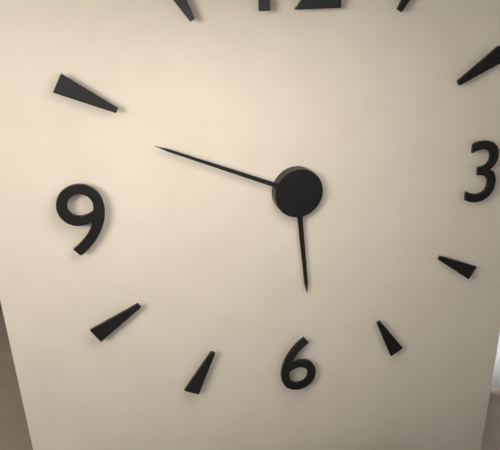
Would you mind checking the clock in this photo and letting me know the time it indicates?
5:49
